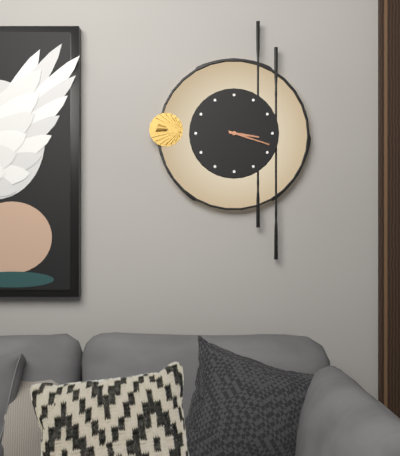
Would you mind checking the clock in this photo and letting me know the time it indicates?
3:18
